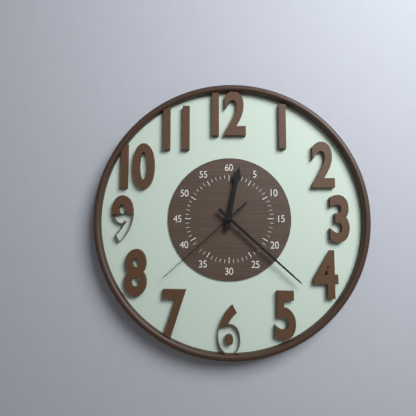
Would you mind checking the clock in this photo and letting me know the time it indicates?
12:22:38
